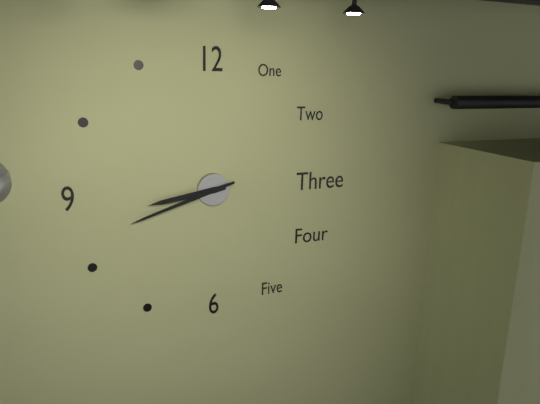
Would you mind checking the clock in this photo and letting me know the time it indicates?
8:42
